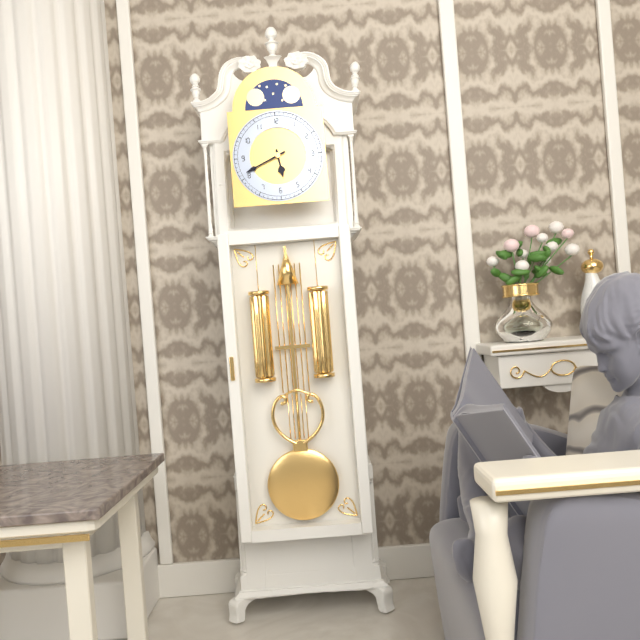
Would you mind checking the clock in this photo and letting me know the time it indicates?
5:41
